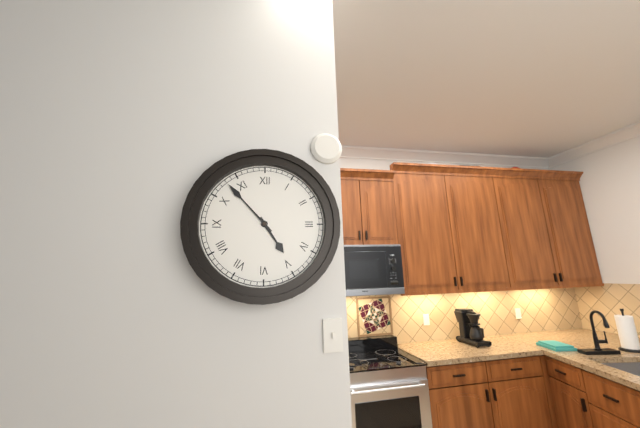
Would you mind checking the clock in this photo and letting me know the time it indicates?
4:53
